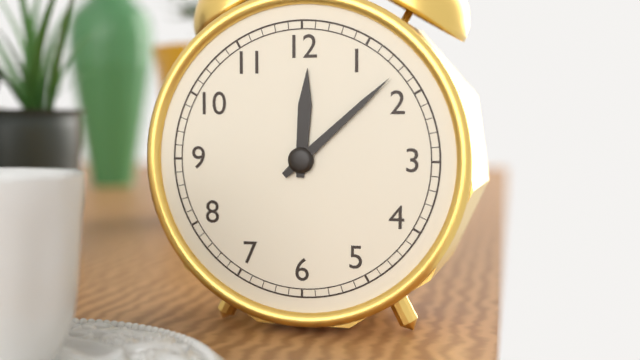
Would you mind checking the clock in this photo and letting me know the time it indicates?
12:08
